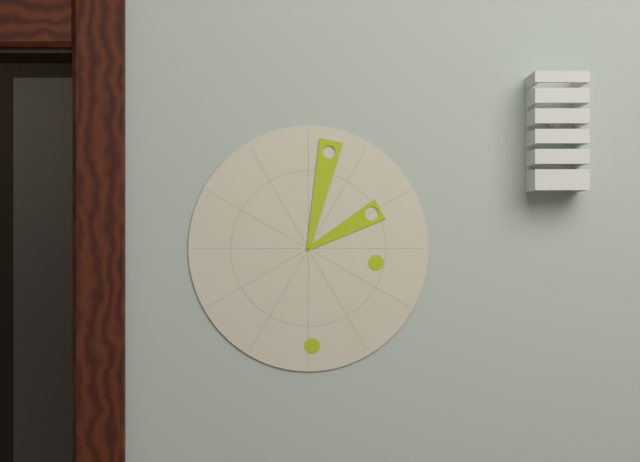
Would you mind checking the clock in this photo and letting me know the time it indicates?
2:02
